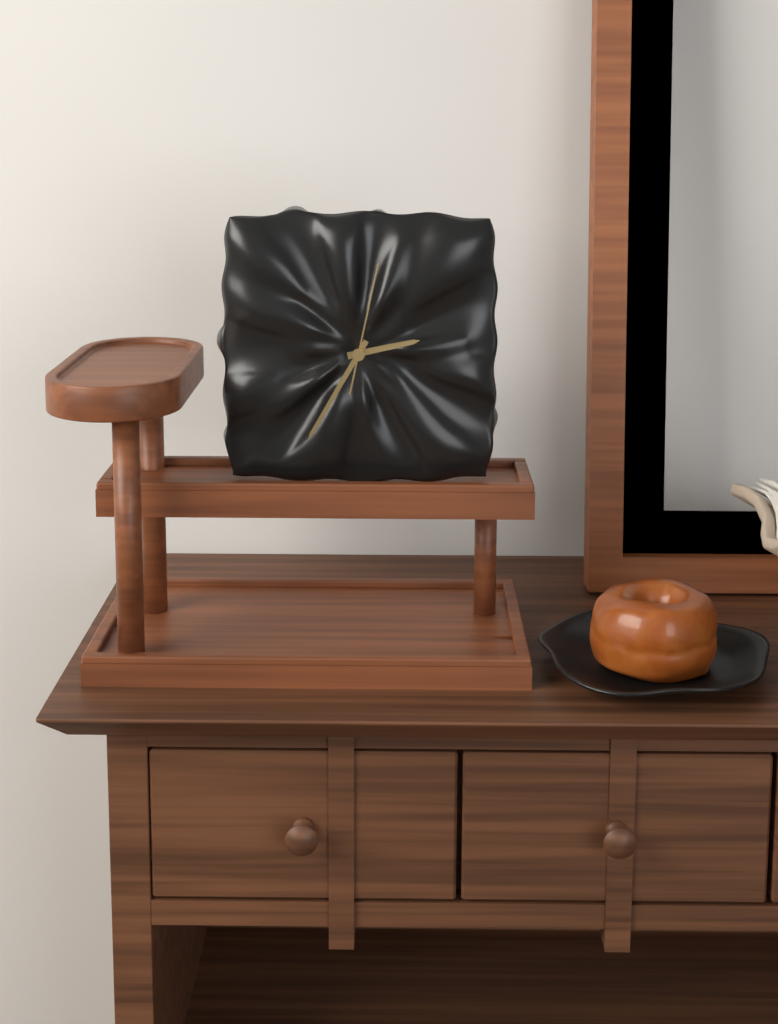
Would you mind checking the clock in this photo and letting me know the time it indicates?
2:35:02
